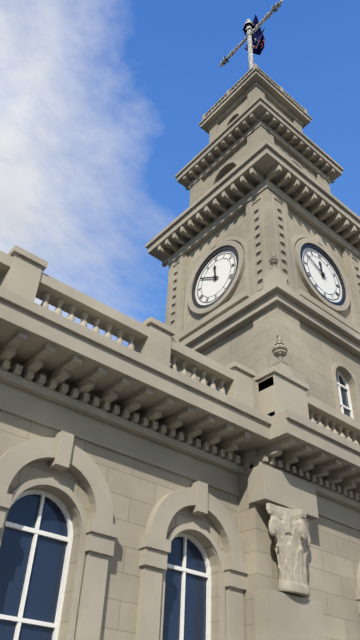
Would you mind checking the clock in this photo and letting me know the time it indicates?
11:50
